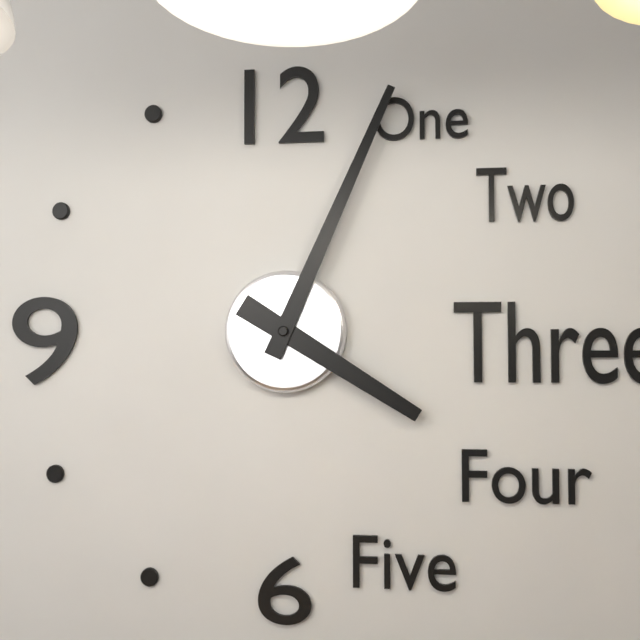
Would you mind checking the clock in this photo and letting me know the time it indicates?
4:04
